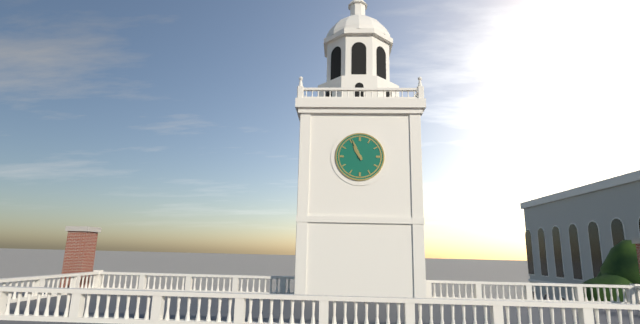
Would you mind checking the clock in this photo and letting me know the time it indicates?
10:56
